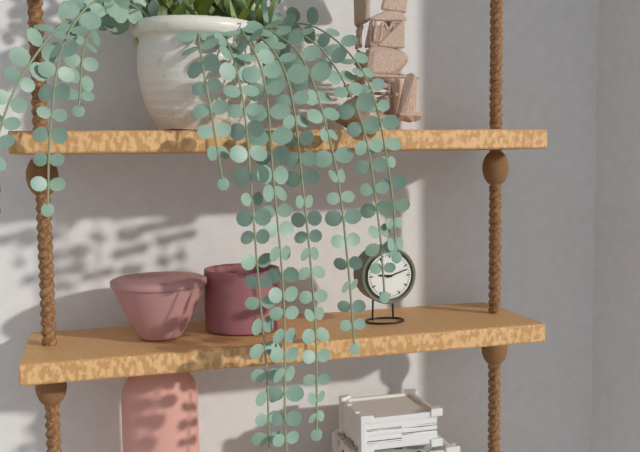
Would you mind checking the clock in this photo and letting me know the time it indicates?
9:12
